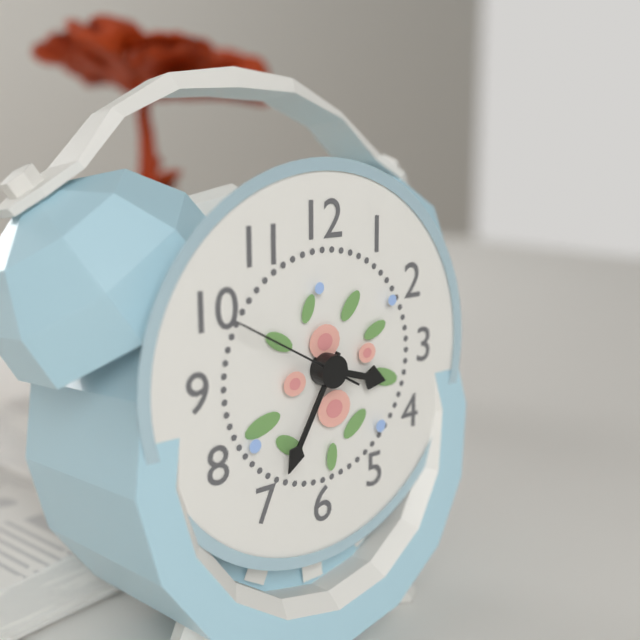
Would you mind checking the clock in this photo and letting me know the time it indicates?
3:35:50
